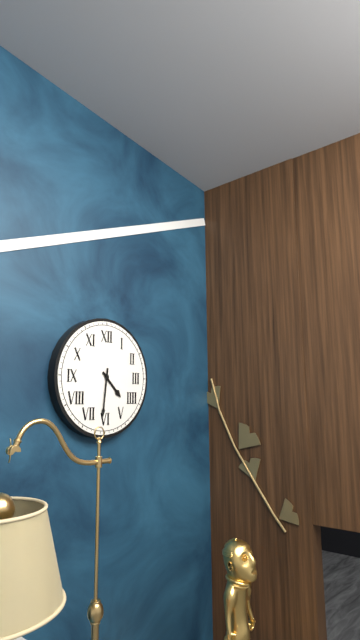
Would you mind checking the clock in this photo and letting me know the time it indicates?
4:31
